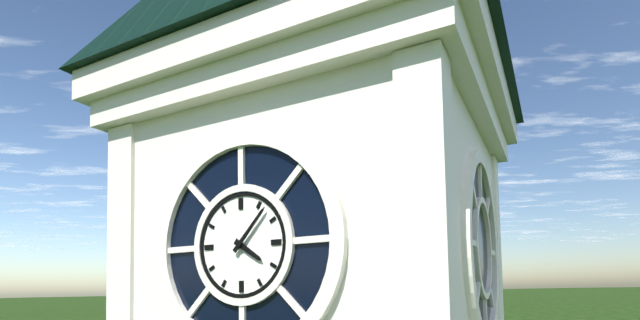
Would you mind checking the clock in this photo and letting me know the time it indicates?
4:07
